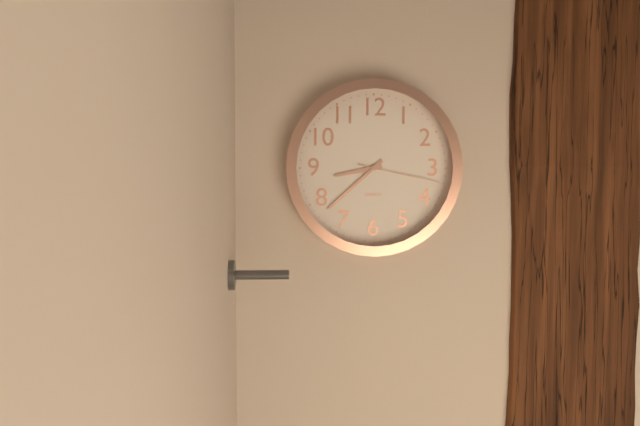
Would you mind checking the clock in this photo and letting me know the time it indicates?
8:38:17
